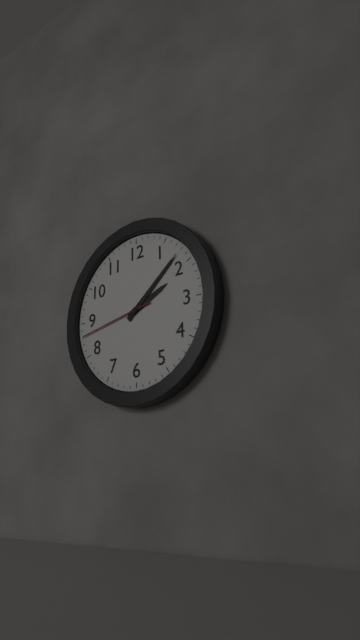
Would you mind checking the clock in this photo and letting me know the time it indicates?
2:08:43
